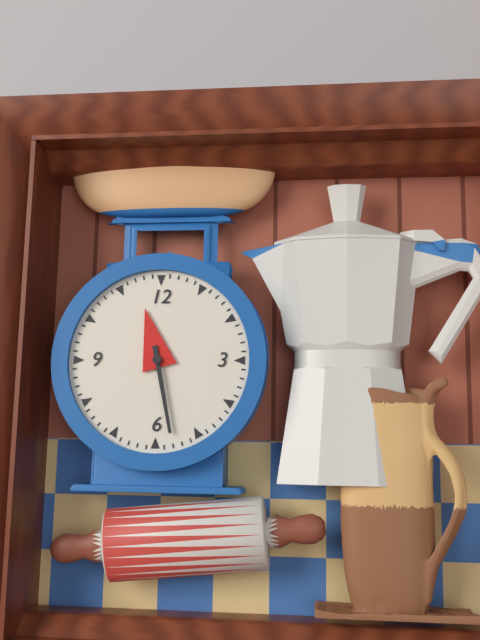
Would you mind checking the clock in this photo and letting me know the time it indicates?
11:28
